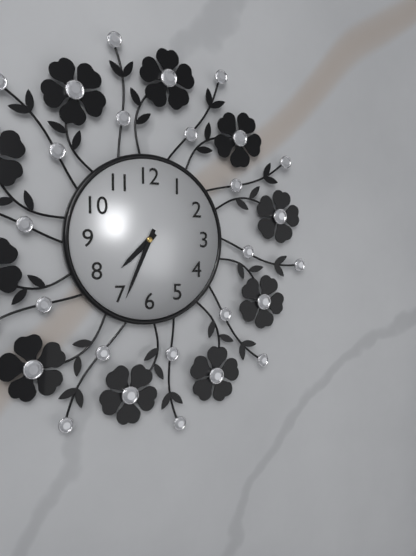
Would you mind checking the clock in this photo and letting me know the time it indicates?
7:34
